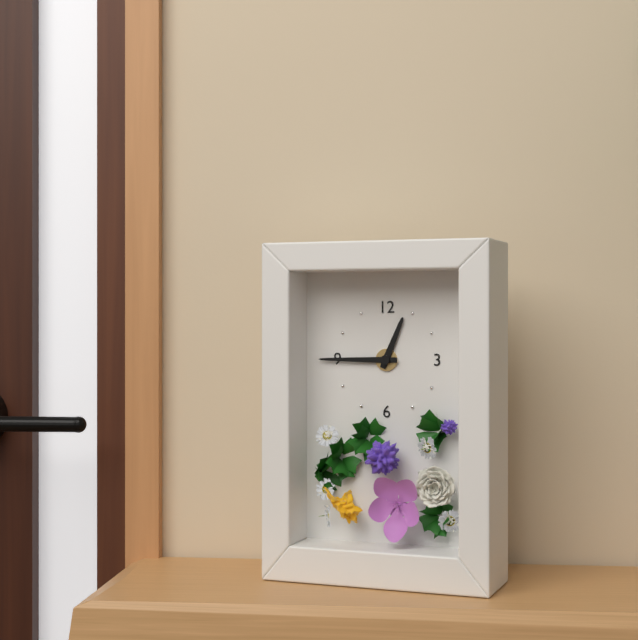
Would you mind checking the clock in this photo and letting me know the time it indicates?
12:45
